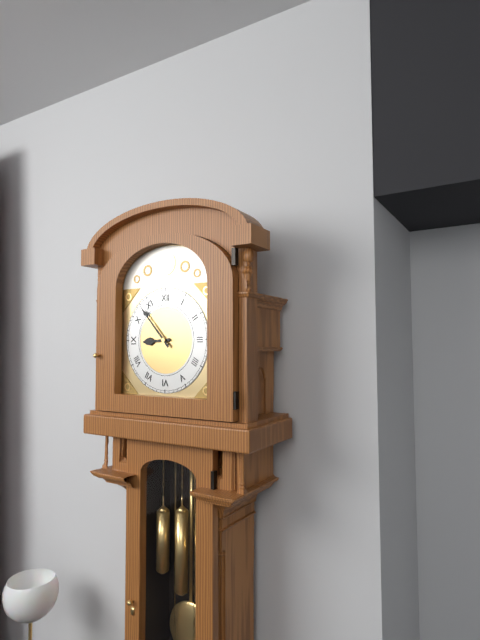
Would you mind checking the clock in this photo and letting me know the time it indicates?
8:53
